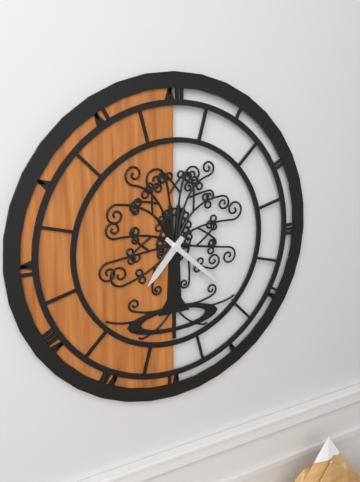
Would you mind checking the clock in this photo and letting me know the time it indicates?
7:22
